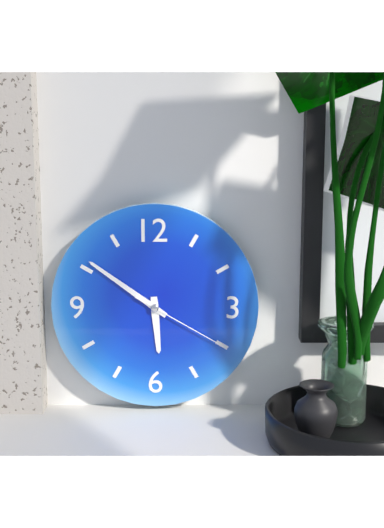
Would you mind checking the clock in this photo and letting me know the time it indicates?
5:51:20
